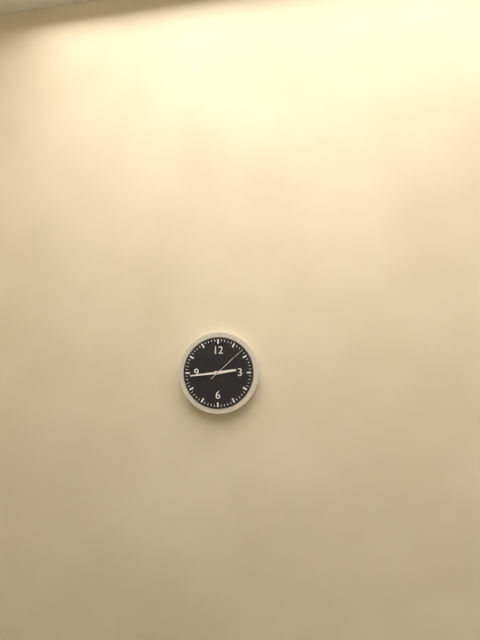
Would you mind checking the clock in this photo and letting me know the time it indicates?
2:44
